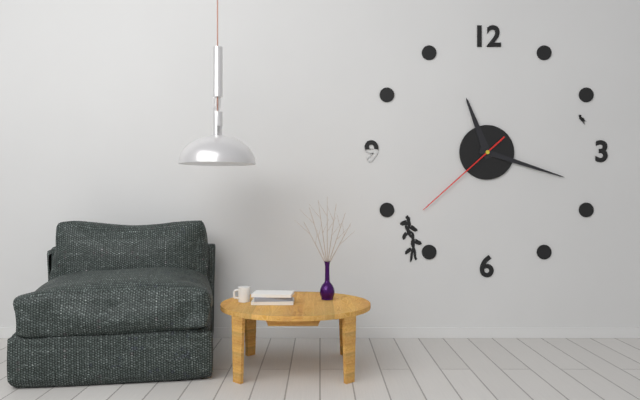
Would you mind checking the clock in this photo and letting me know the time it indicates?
11:18:38
